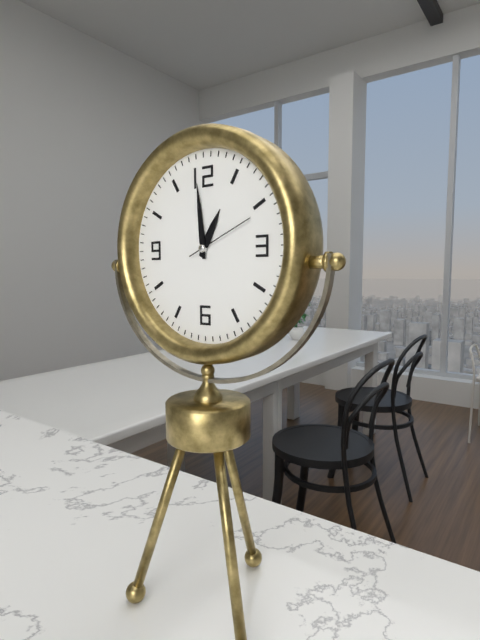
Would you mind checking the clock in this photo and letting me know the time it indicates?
12:59:11
